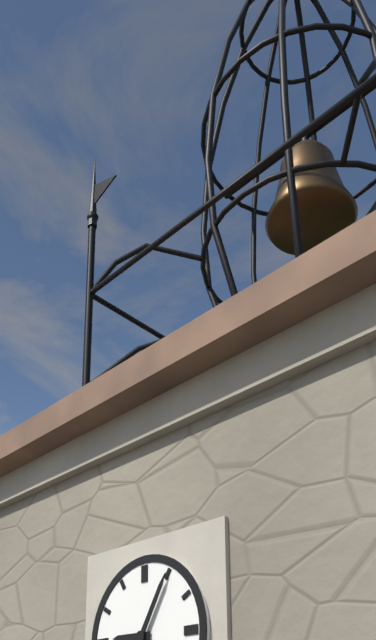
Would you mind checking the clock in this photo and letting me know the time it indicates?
9:05
